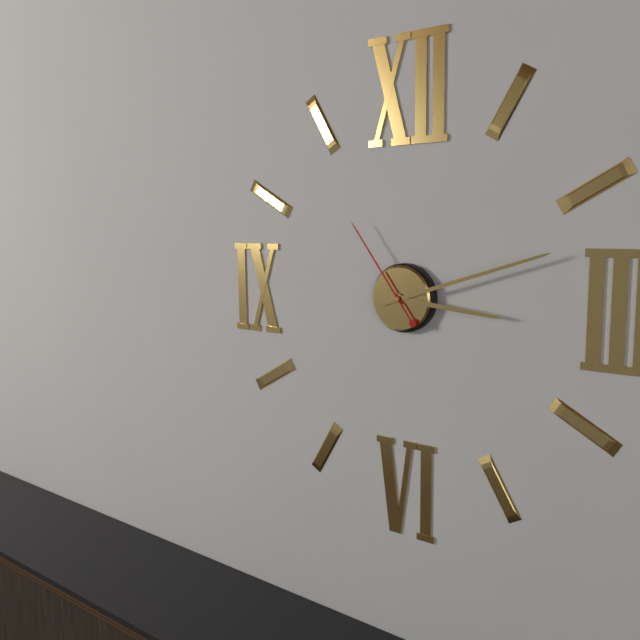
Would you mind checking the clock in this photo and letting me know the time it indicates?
3:12:54
